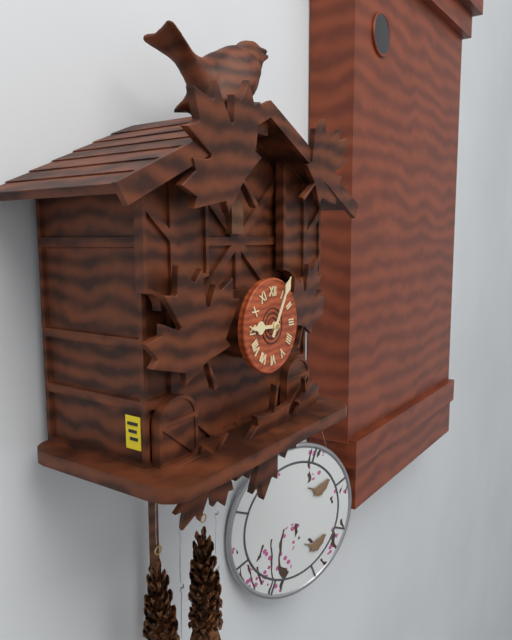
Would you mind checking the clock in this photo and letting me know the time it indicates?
9:05
